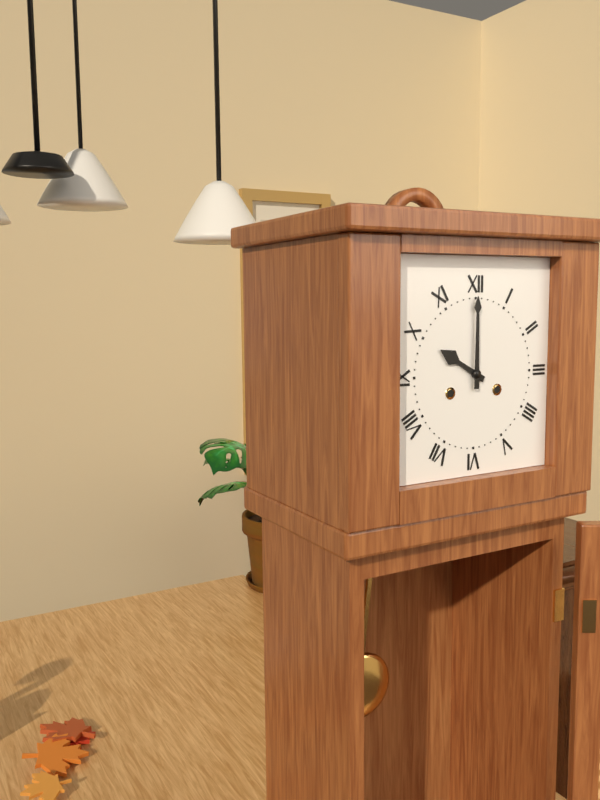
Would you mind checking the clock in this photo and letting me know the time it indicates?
10:00
